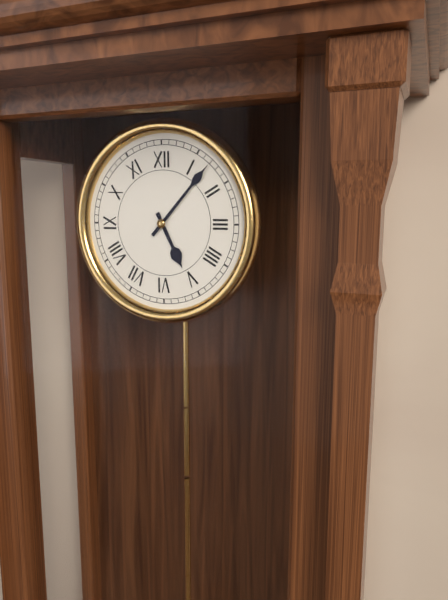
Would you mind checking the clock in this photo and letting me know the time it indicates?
5:07
